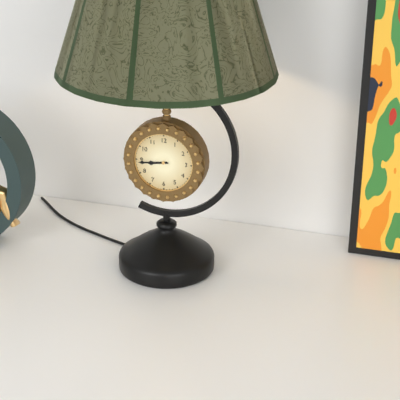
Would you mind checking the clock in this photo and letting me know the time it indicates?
8:44
